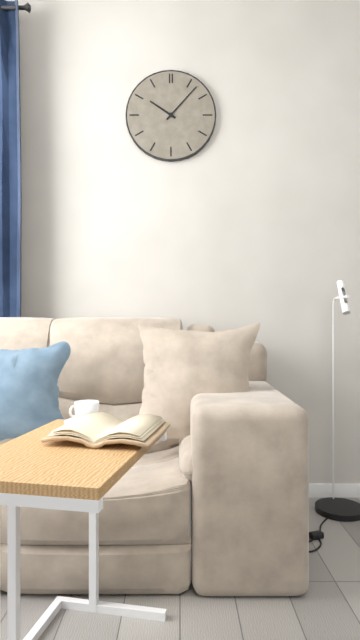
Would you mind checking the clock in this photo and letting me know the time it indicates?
10:07
